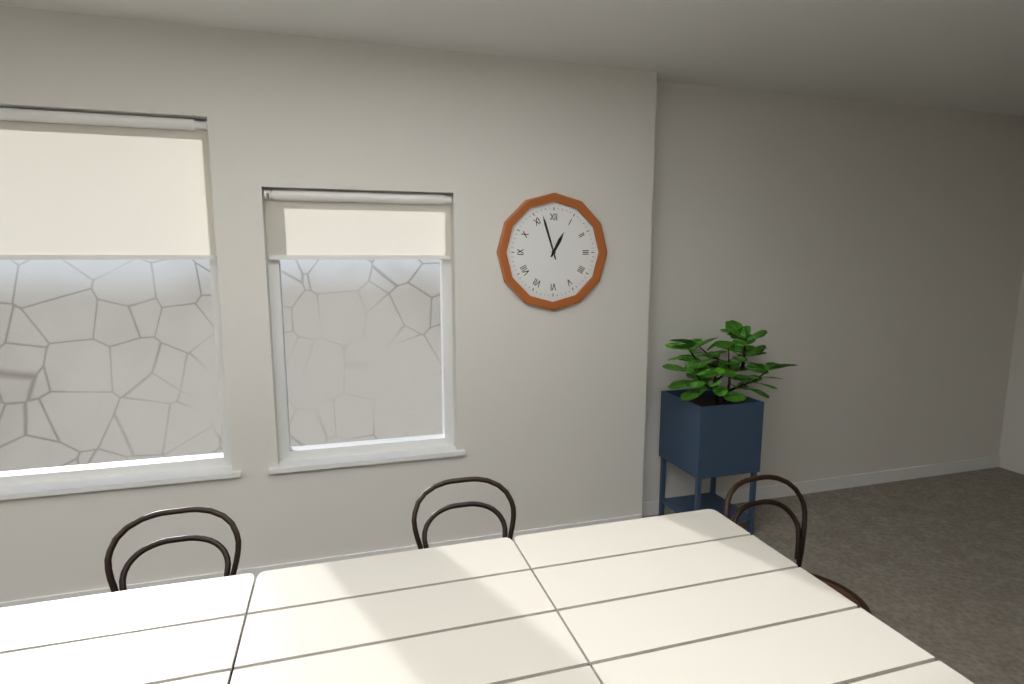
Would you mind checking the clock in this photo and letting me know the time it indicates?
12:57
